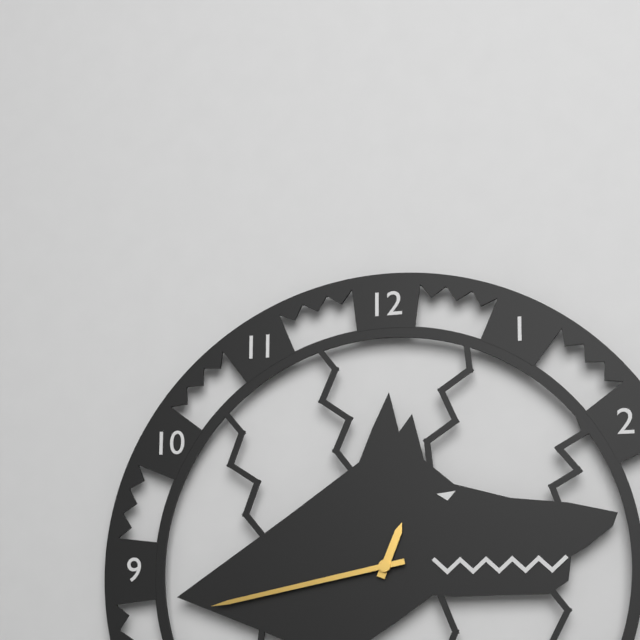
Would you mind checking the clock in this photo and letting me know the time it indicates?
12:43
